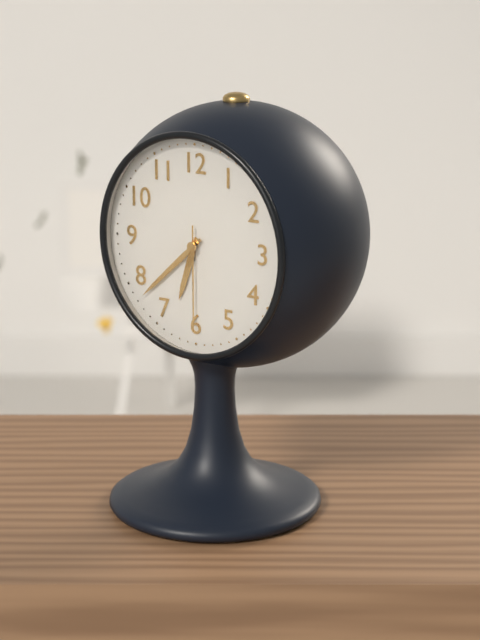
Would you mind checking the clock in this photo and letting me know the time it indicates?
6:38:30
